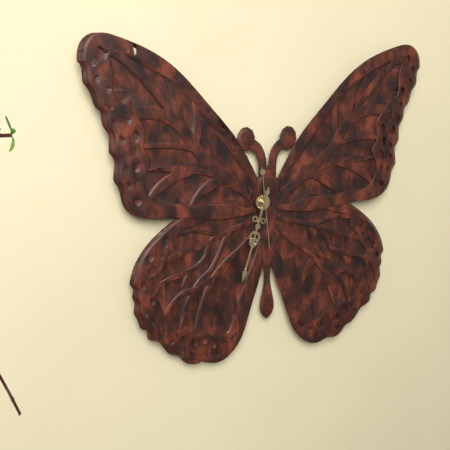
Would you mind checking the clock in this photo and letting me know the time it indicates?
6:33:29
